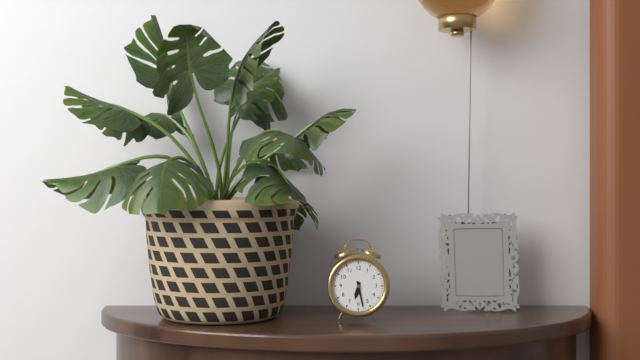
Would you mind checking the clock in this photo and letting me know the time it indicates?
6:28
